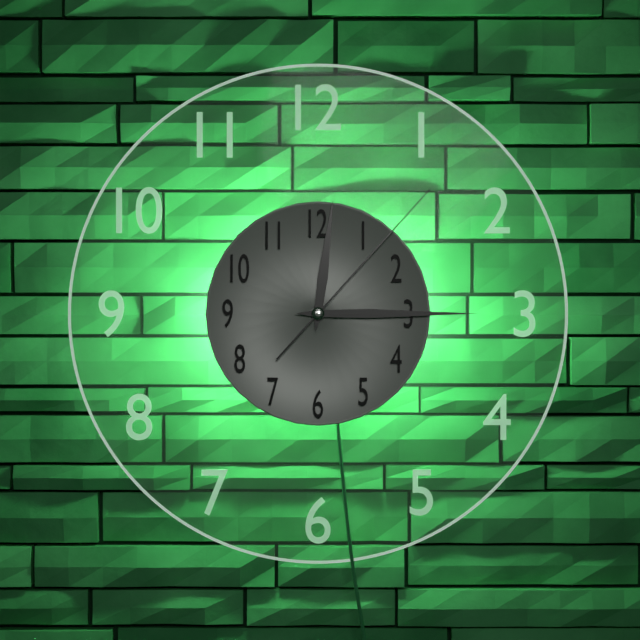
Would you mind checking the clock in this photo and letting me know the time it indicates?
12:15:07
